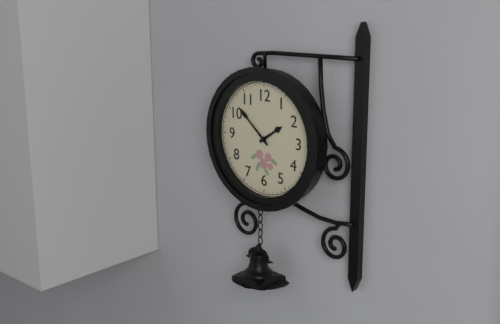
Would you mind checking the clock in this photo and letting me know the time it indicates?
1:52
